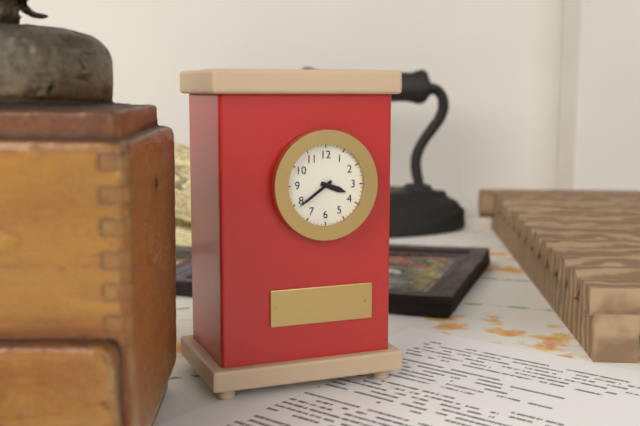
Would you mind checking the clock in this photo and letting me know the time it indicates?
3:39
